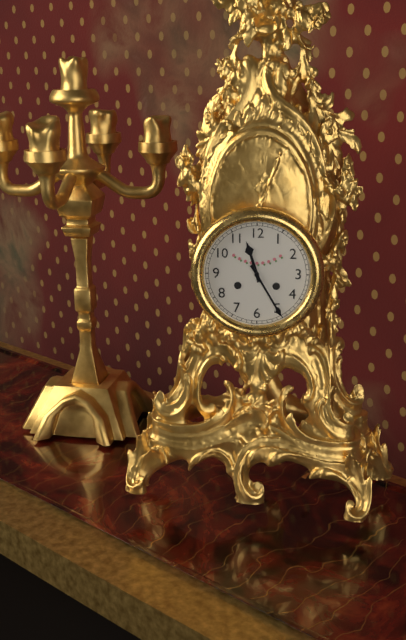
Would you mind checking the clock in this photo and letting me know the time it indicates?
11:25
